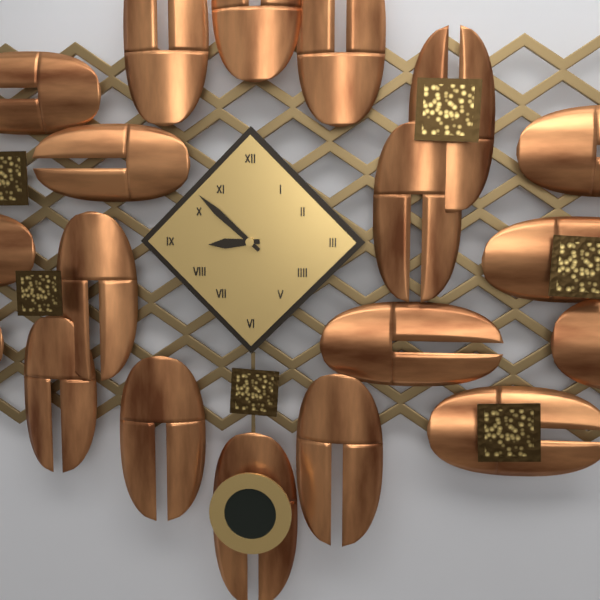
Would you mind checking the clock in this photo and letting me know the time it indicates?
8:52
